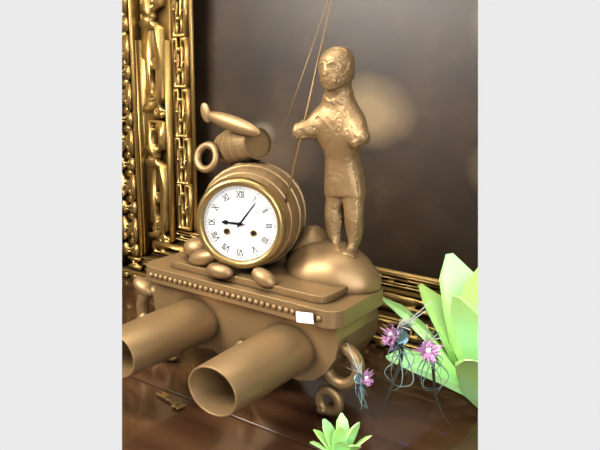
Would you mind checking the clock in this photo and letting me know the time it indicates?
9:06
